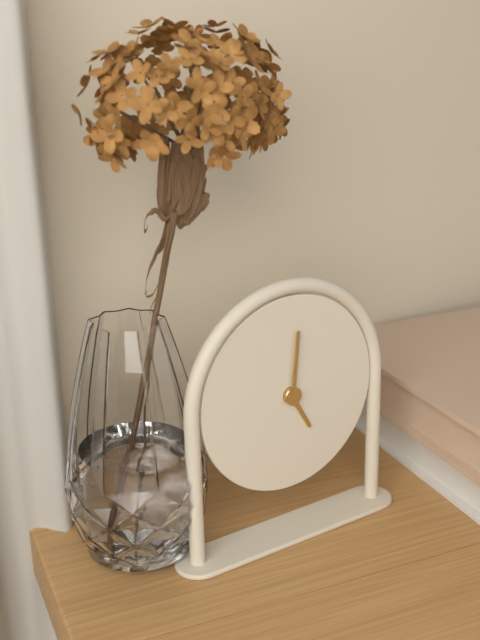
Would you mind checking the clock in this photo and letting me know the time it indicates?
5:01
